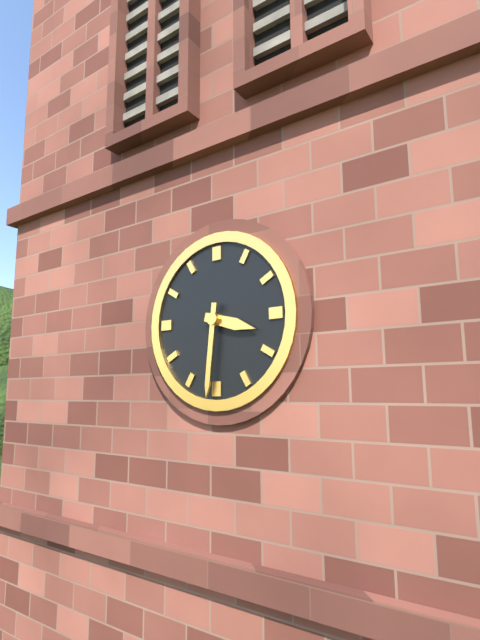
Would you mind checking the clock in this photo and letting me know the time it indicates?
3:31
